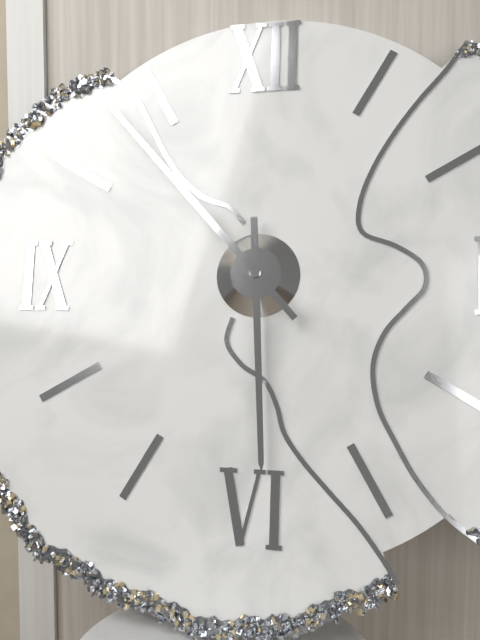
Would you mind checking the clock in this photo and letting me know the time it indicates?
5:53
